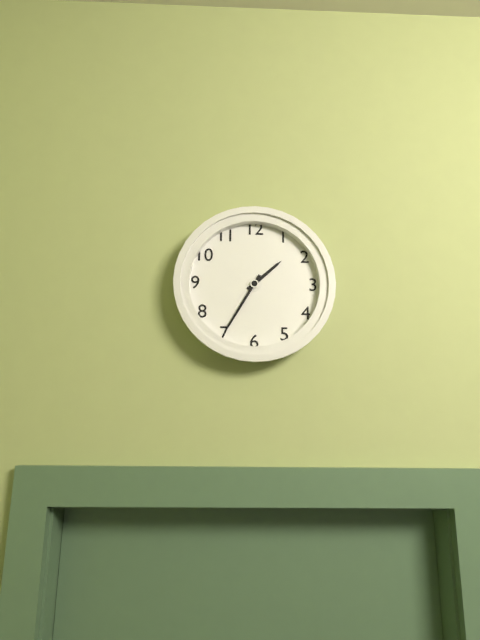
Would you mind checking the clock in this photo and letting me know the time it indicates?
1:35
